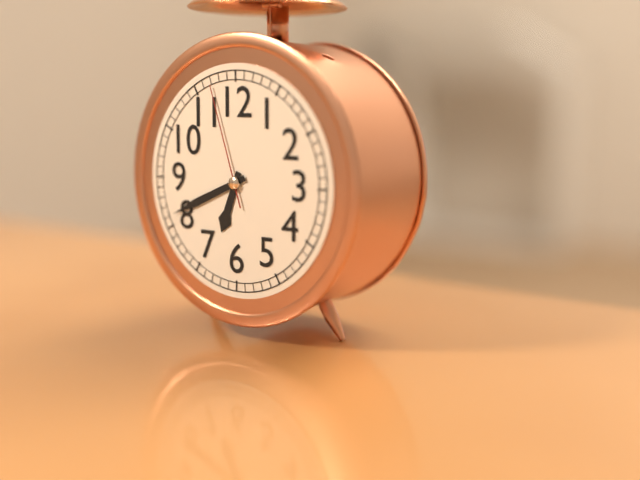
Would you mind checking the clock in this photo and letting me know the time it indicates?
6:41:57
